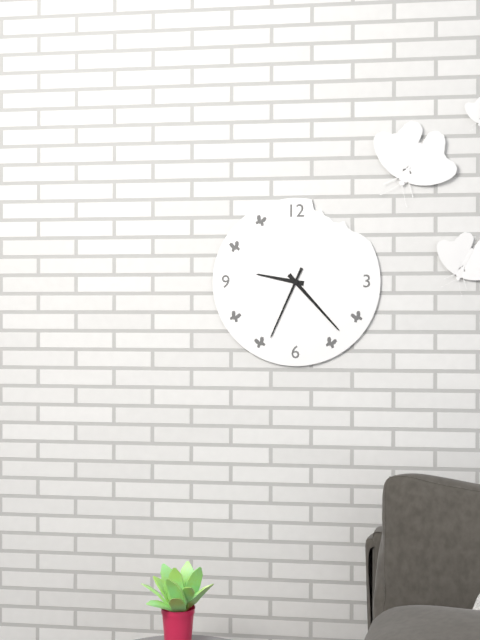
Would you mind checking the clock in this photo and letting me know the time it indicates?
9:23:34
